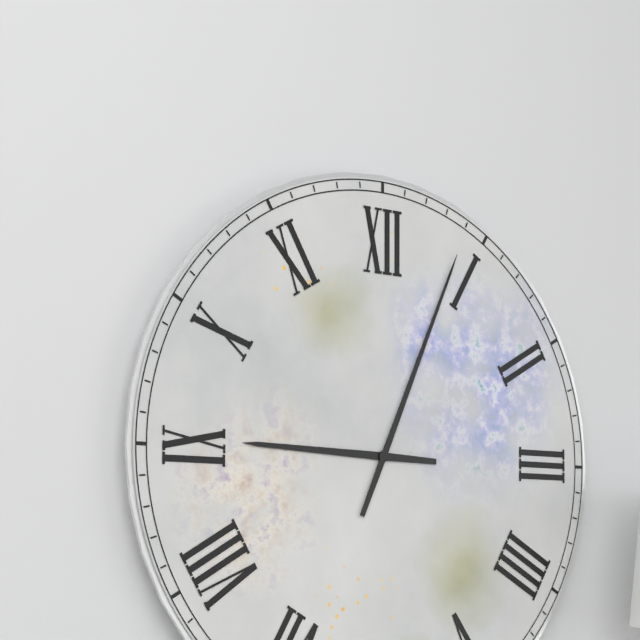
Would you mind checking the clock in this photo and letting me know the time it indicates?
9:04
